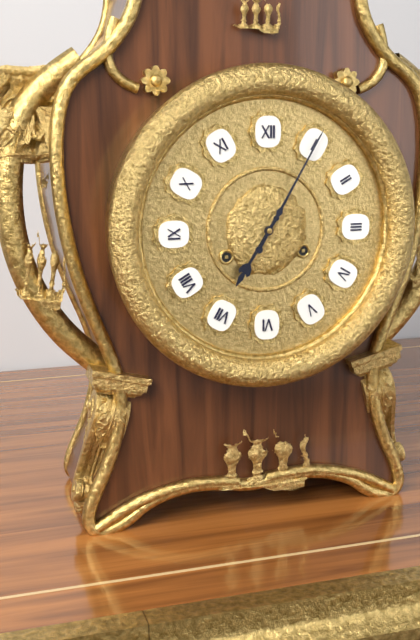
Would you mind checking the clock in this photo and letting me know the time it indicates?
7:05
